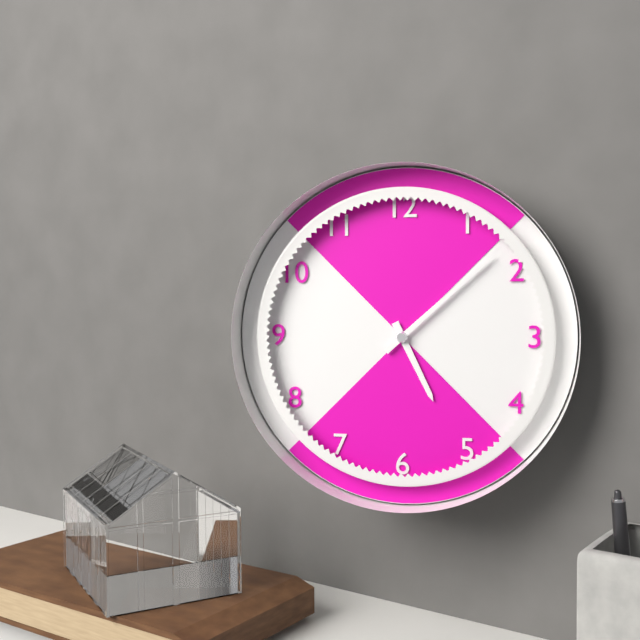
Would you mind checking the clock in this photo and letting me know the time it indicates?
5:08
